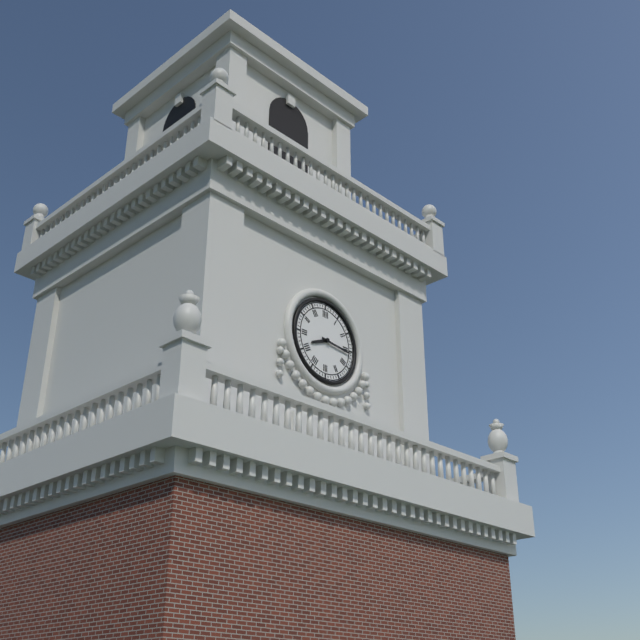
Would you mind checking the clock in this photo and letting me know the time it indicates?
8:16
